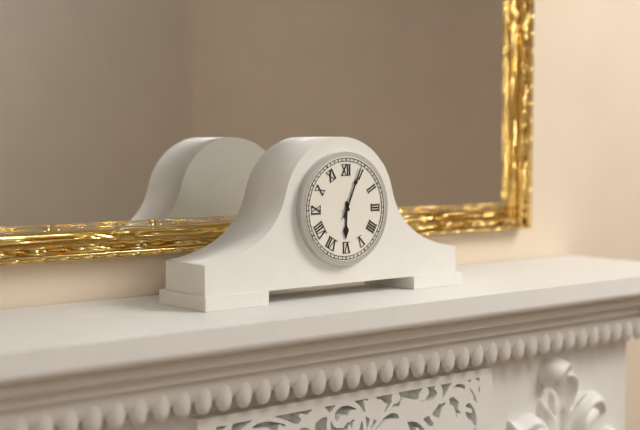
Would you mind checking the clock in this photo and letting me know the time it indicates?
6:04
